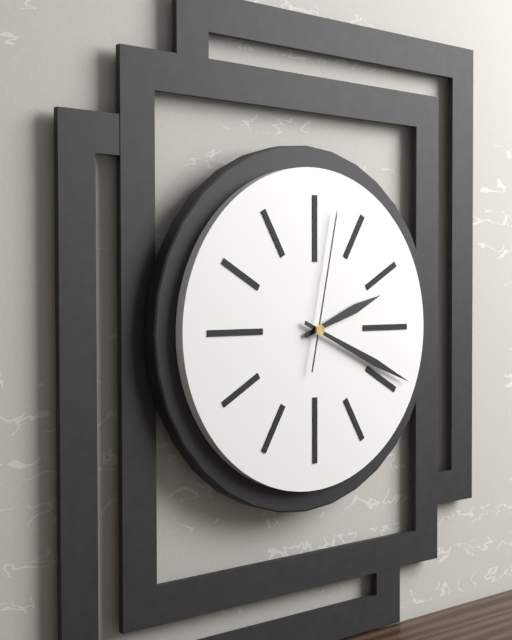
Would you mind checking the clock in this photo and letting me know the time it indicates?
2:19:02
